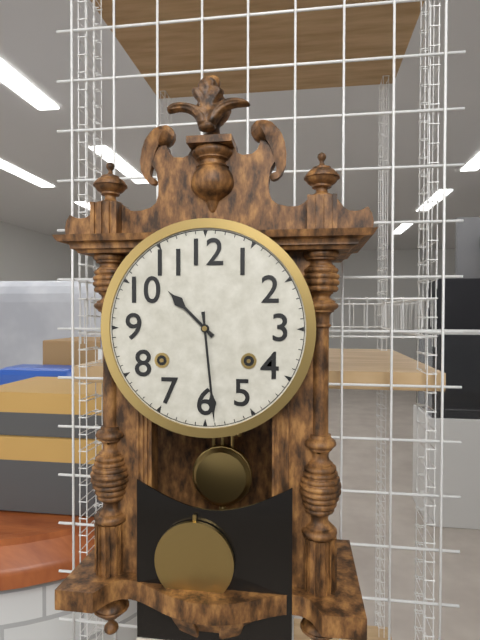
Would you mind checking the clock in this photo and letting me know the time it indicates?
10:29
